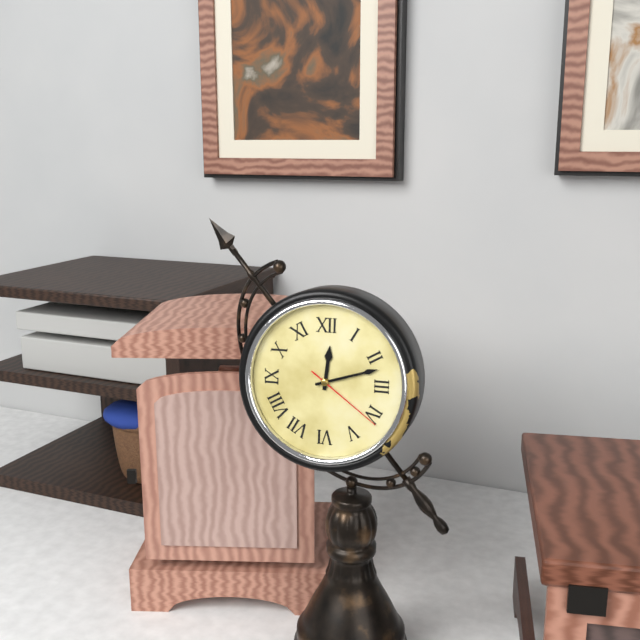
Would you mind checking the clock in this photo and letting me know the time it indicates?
12:12:21
